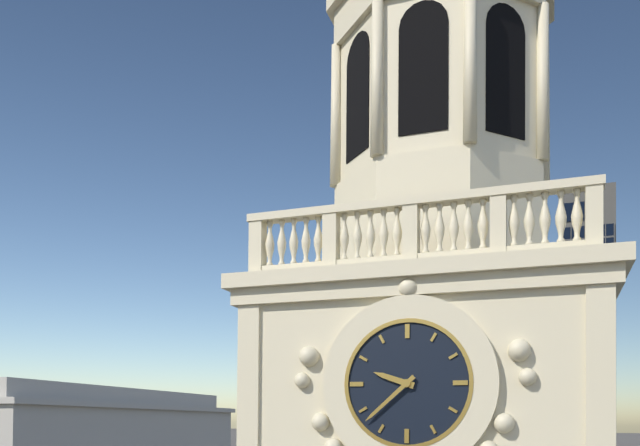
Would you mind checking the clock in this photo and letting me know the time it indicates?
9:38
